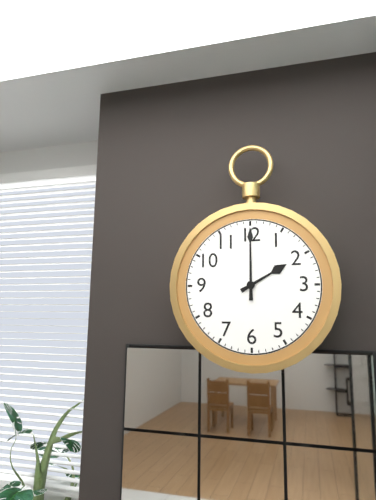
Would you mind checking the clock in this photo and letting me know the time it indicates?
2:00
